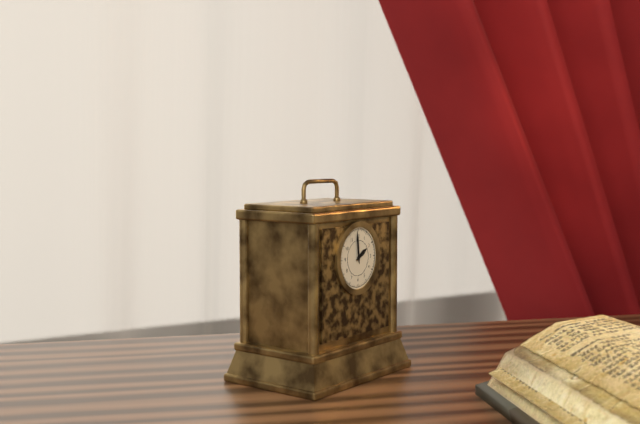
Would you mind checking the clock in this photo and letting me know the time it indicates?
1:59
